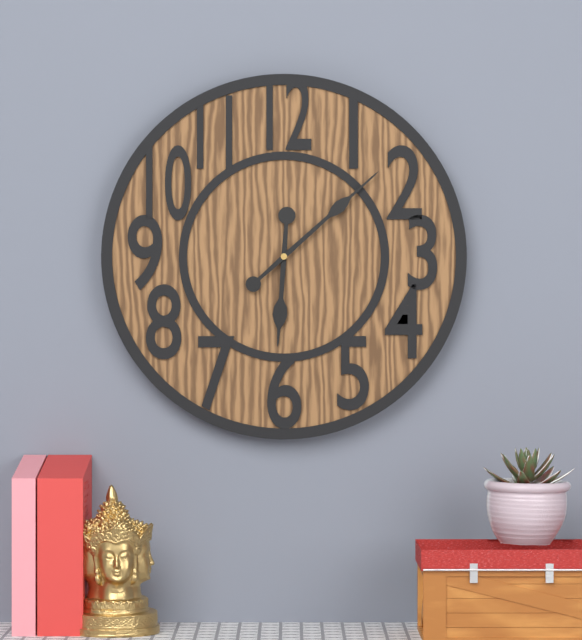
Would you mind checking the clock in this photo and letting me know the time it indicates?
6:08
